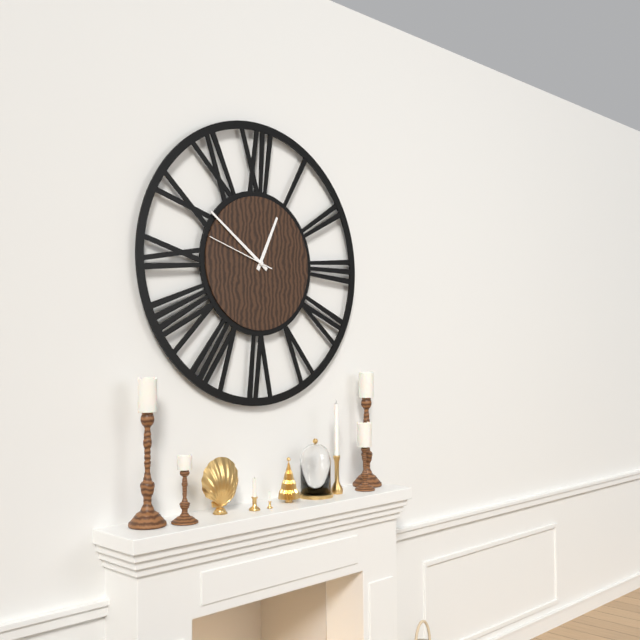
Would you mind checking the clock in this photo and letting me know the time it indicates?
12:51:48
